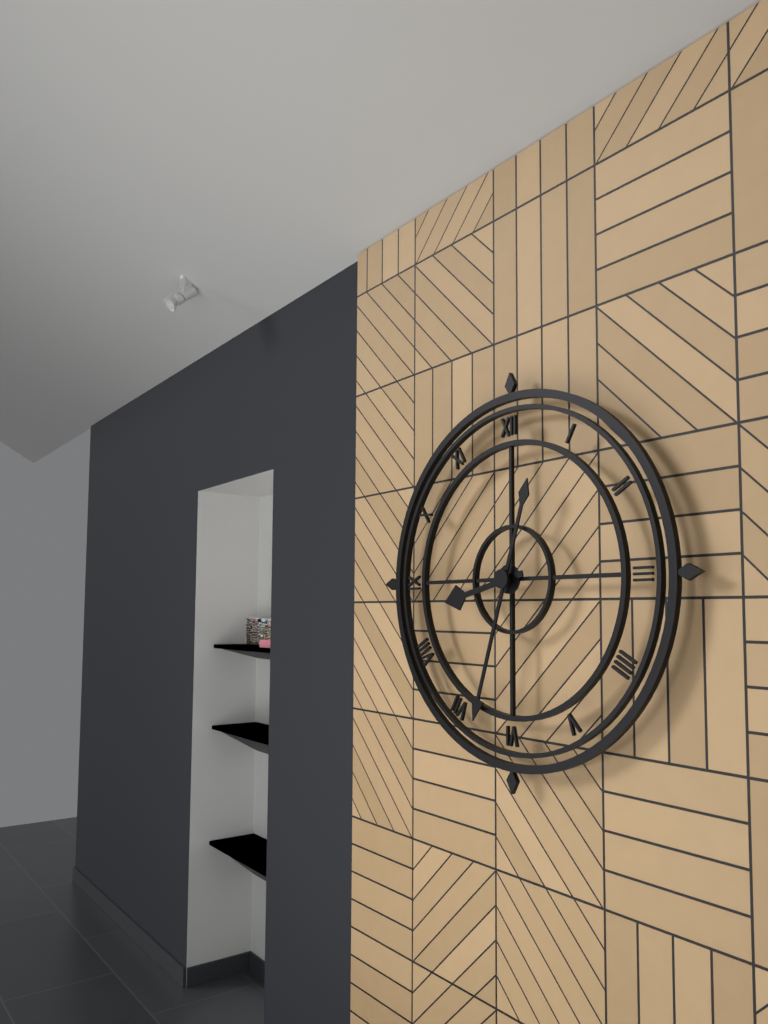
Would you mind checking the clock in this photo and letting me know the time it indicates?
8:33
